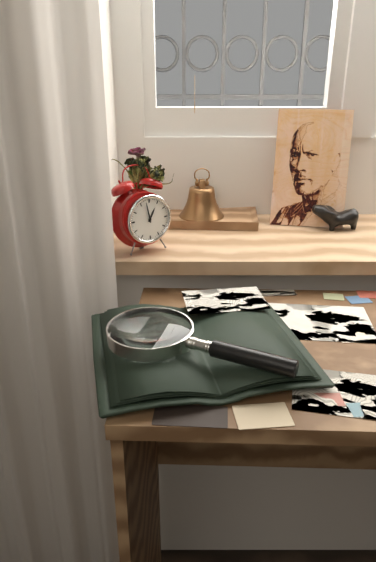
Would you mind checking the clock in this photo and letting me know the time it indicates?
12:58
